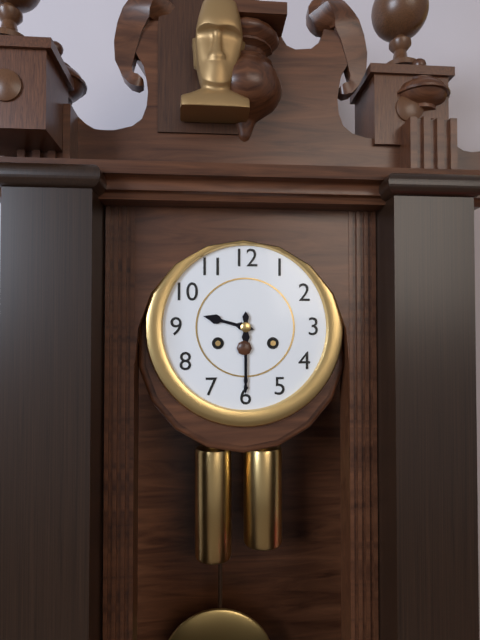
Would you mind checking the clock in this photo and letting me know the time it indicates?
9:30
